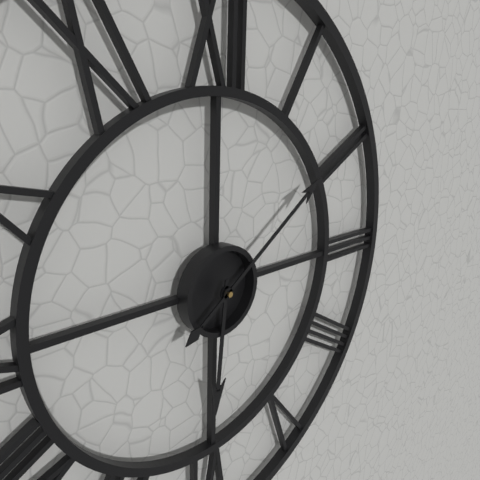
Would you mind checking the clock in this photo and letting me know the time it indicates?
6:09
